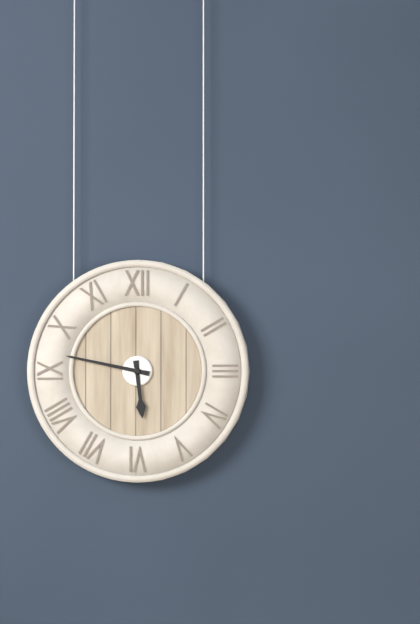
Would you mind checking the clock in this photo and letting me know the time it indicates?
5:47
